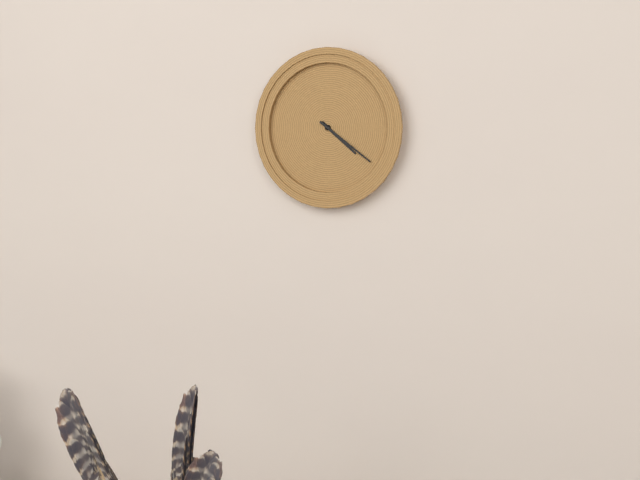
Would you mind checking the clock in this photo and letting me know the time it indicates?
4:21
